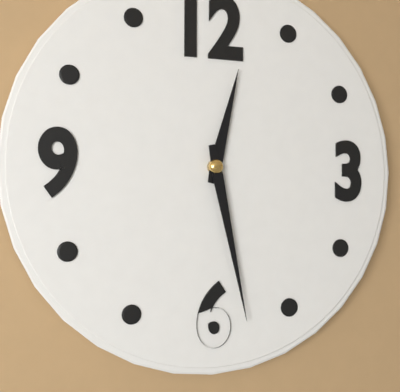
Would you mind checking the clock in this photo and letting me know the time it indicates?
12:28
